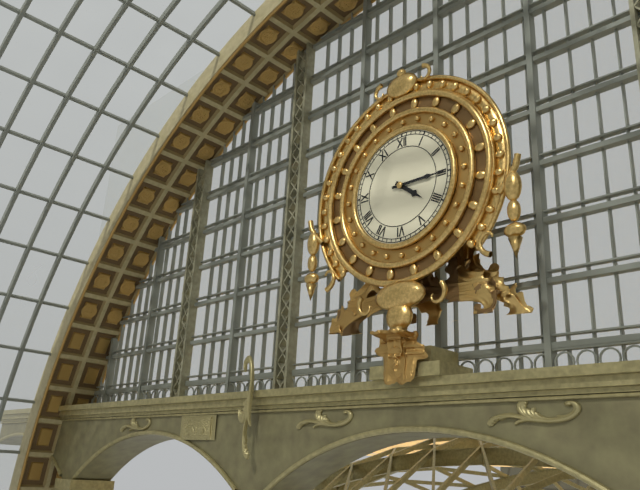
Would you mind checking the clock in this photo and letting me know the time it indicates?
4:15
